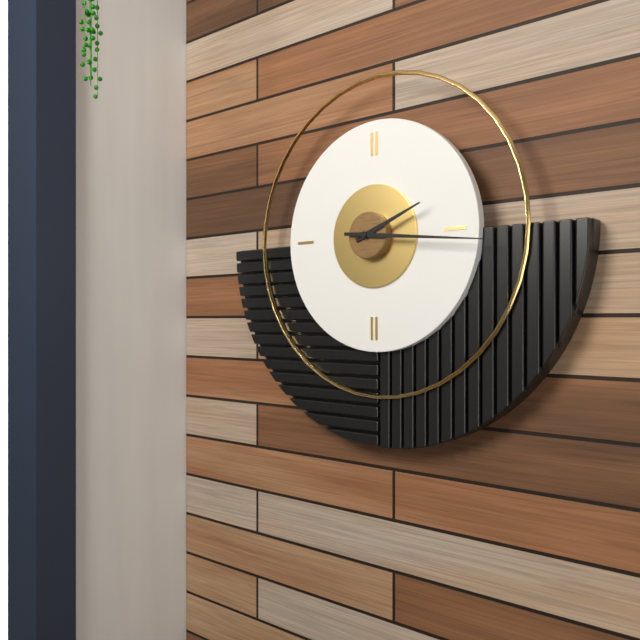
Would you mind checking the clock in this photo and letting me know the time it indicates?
2:16
